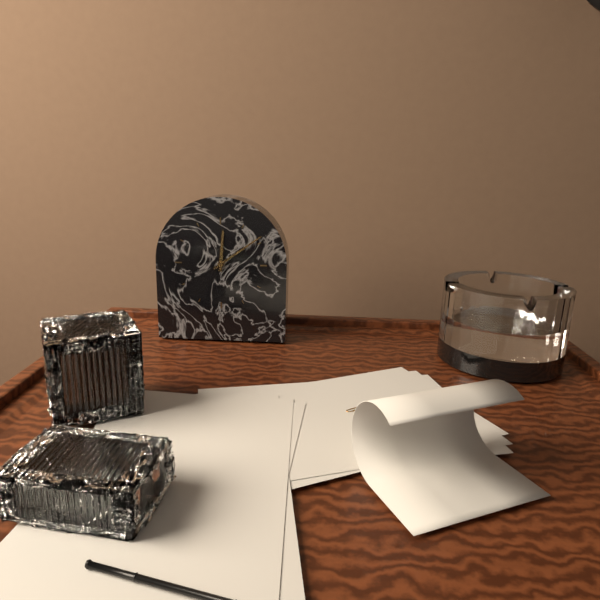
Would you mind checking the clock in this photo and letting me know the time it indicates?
12:09
